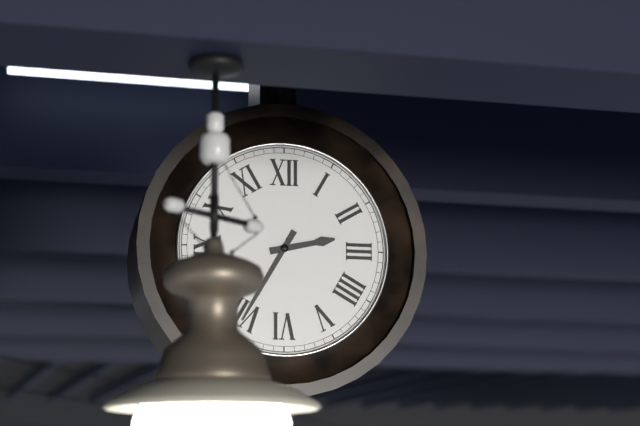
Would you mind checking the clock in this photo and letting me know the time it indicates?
2:35
